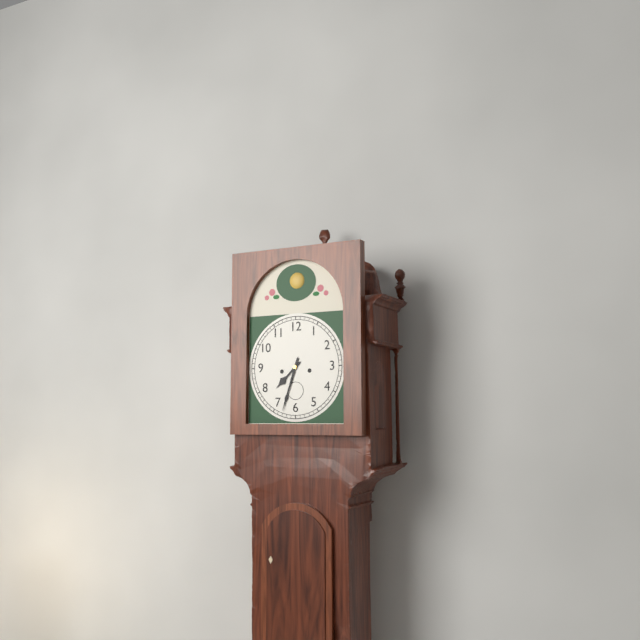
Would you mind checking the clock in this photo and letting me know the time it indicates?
7:33
